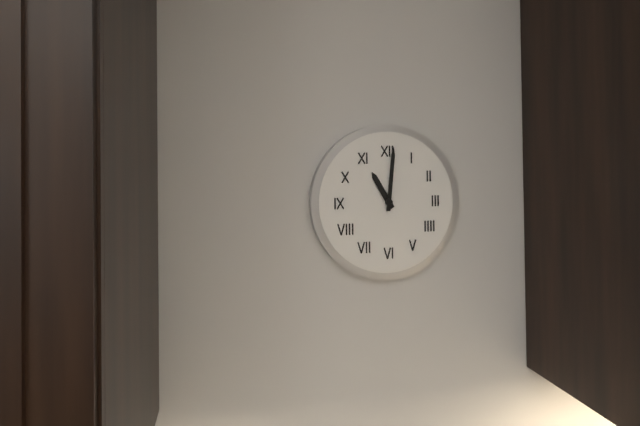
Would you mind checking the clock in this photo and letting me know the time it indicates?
11:01
